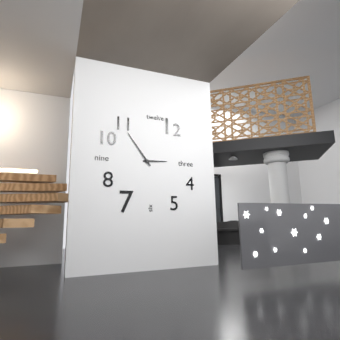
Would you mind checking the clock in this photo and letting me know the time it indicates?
2:54
